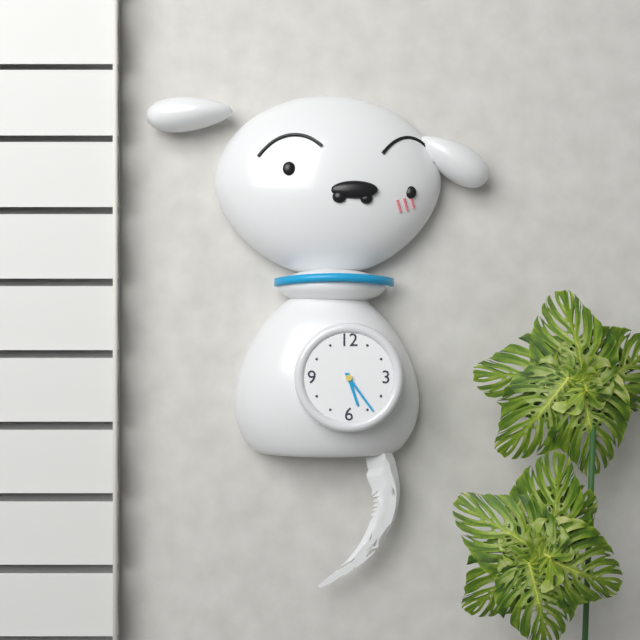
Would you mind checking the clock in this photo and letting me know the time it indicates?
5:24
